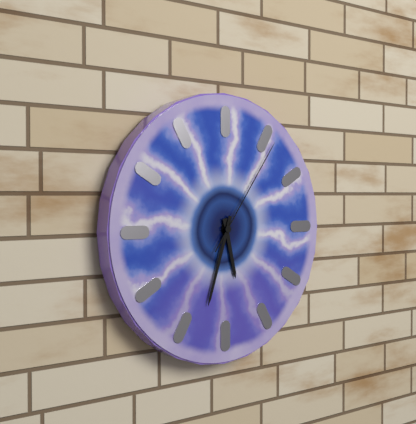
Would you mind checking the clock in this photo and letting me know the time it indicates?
5:33:06
